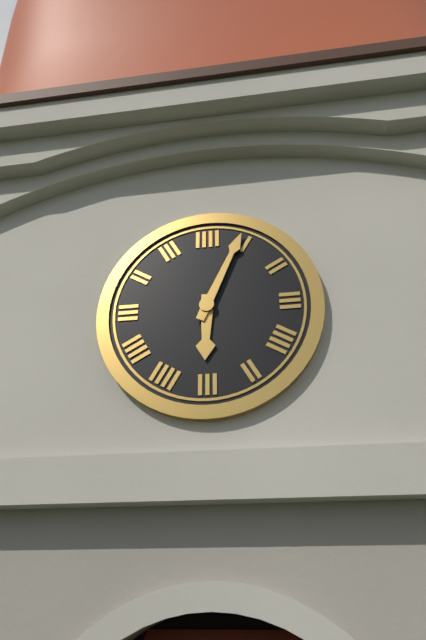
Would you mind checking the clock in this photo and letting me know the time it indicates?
6:04
